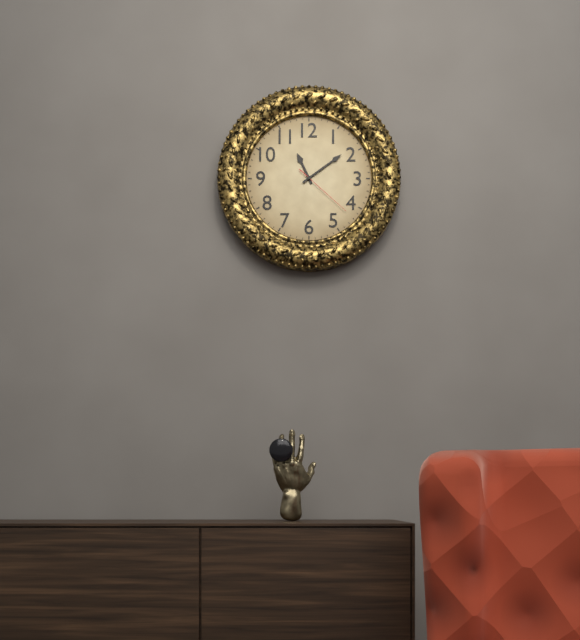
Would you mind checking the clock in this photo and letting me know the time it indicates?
11:09:22
